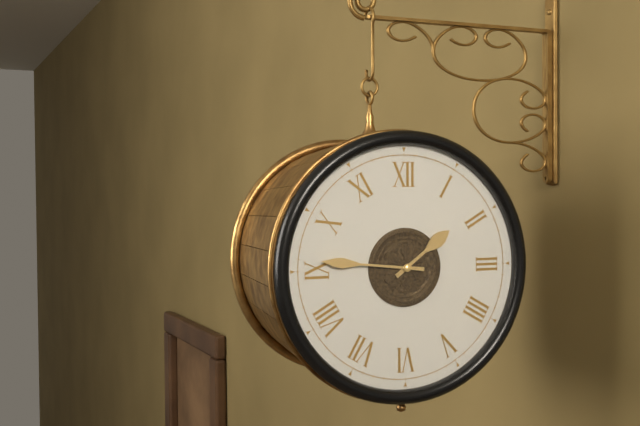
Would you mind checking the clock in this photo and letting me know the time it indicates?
1:46
